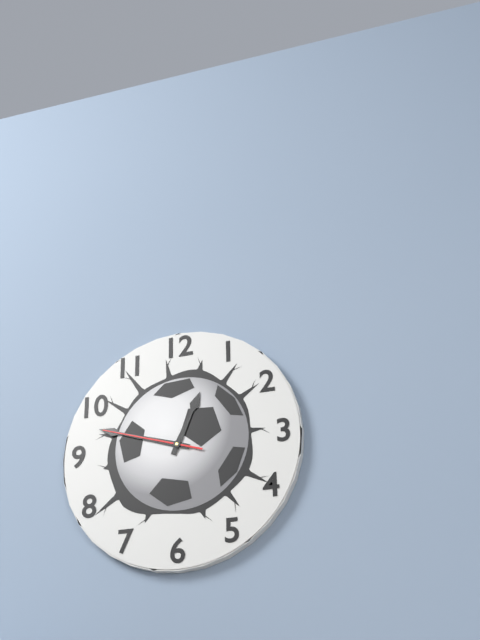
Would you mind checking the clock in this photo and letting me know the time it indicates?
12:48:48
